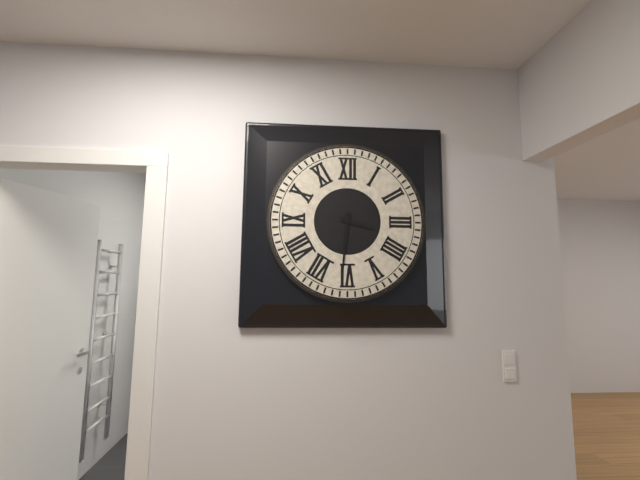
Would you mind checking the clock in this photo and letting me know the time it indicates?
3:31
